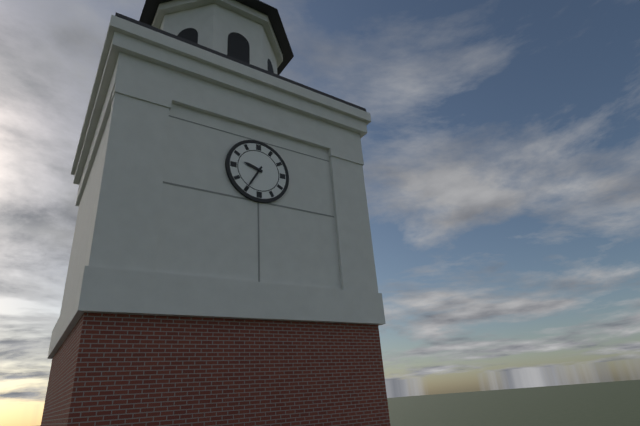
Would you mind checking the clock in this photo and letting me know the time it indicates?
9:35
